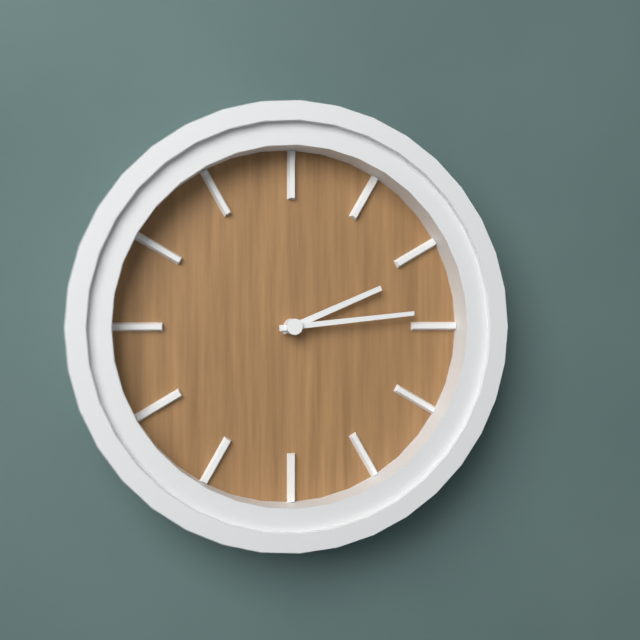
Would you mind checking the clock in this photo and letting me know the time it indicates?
2:14
